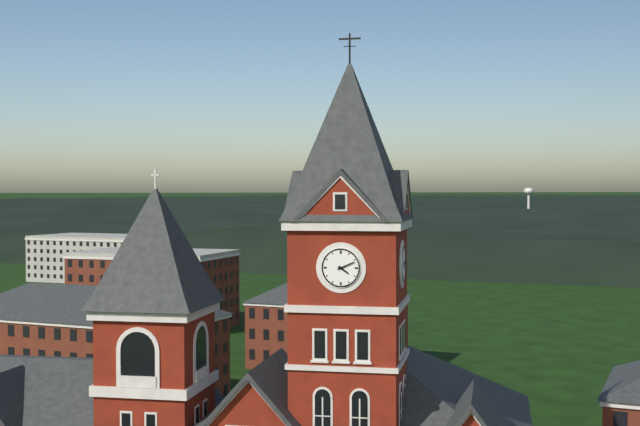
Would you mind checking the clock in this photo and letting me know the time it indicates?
4:11
